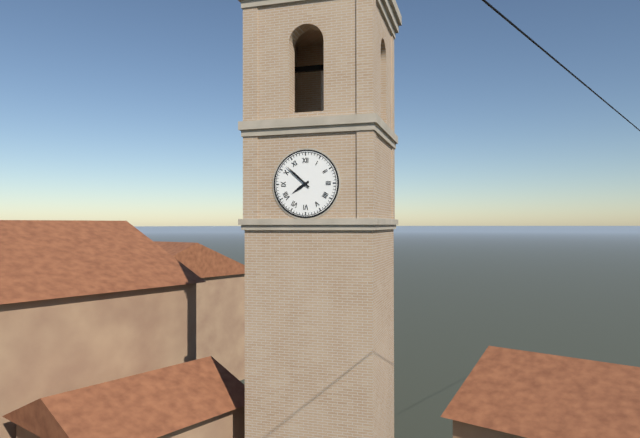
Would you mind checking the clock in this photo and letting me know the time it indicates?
7:52
